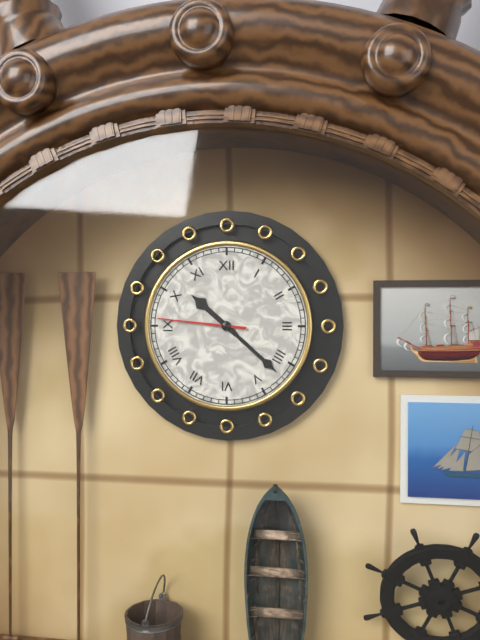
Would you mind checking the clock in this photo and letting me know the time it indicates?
10:22:46
